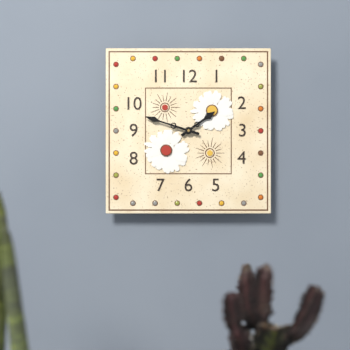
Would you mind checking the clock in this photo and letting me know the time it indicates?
1:48
